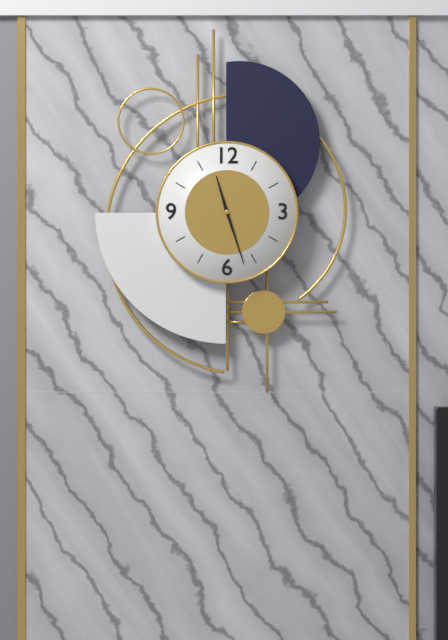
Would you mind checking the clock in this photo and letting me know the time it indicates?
11:27
